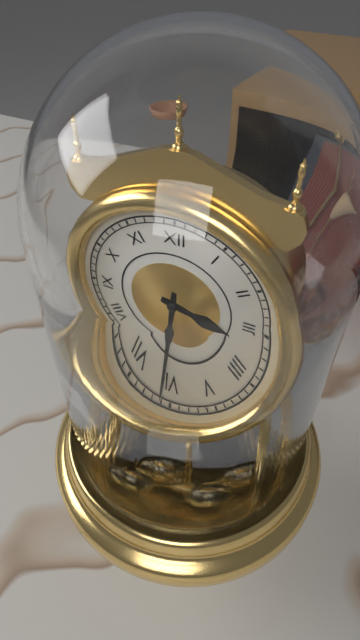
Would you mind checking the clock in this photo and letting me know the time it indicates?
3:31
